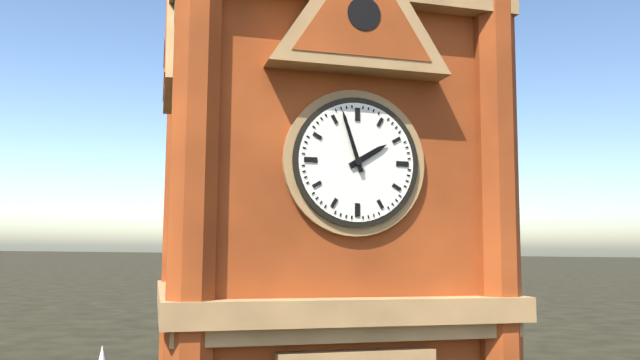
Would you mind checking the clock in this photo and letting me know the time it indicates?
1:57
